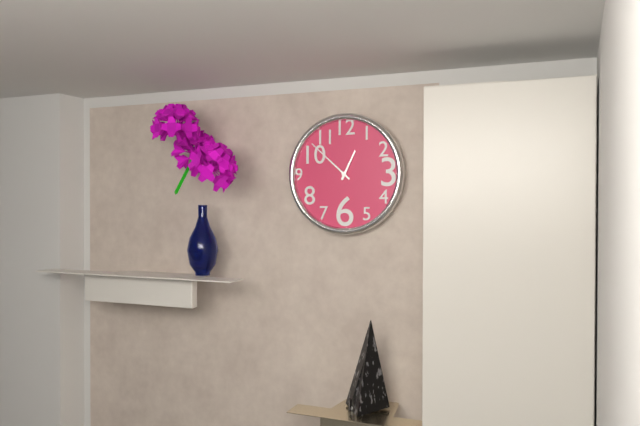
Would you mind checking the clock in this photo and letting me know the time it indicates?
12:52
